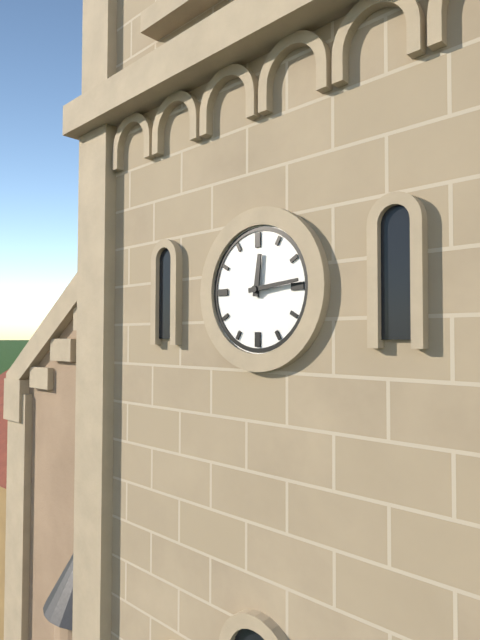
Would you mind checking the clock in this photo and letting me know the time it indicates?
12:14
